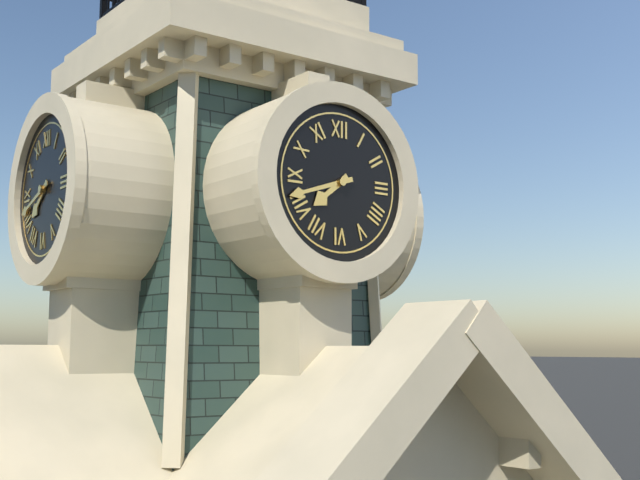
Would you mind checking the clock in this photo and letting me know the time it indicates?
7:42
